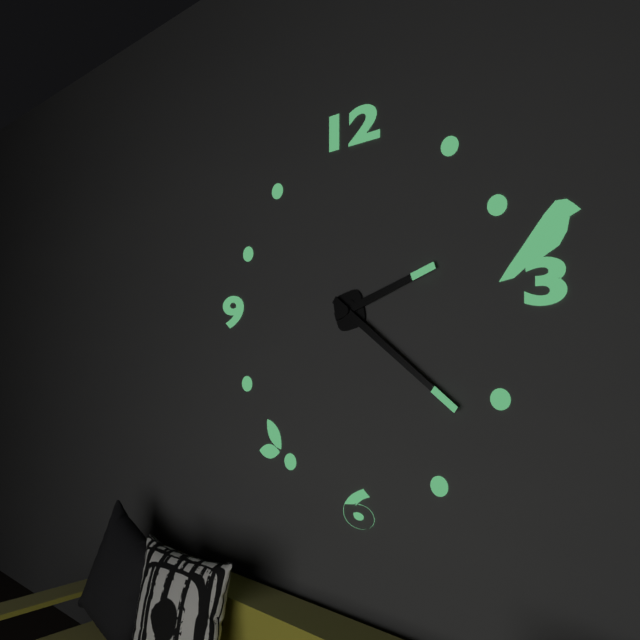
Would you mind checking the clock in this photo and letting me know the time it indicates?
2:21
